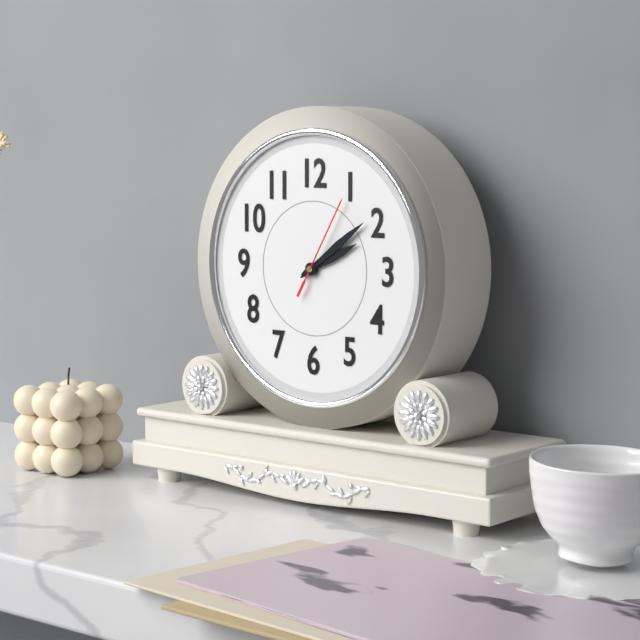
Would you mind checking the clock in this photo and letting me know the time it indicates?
2:09:05
